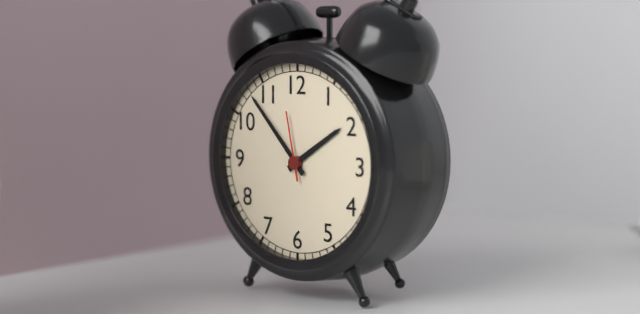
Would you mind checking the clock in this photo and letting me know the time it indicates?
1:53:58
